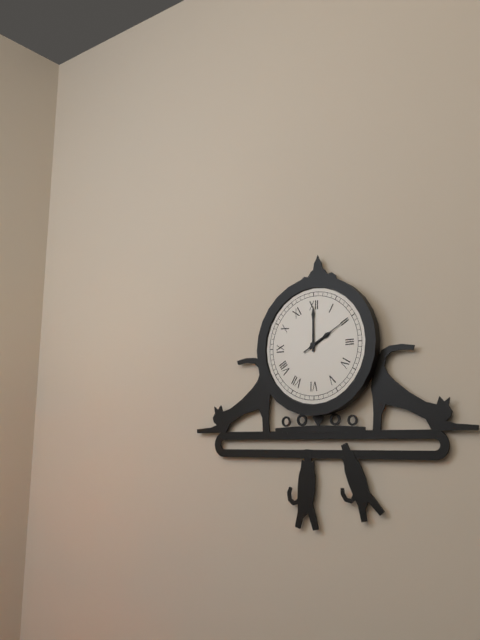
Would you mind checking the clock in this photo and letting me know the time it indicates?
2:00:10
